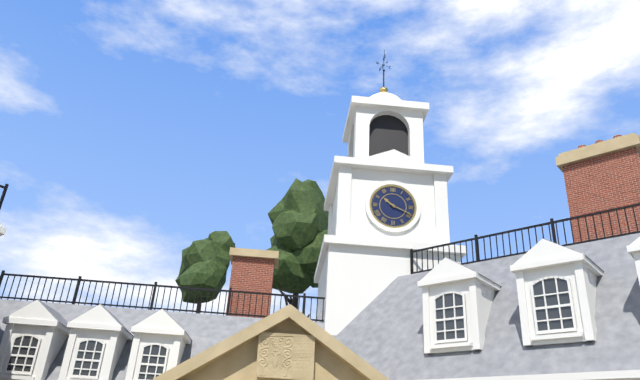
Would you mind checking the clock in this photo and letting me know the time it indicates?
10:19
